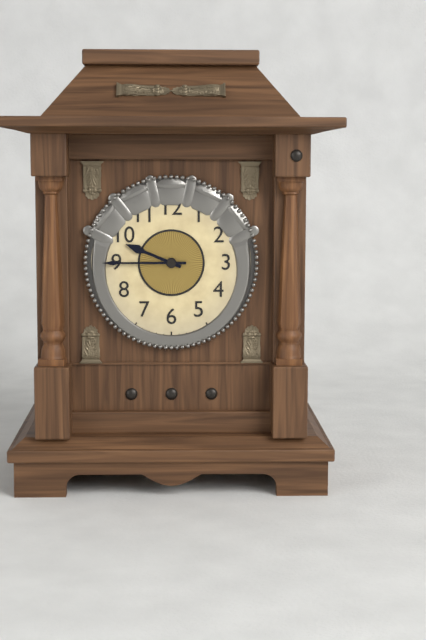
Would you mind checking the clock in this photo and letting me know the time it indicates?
9:45
